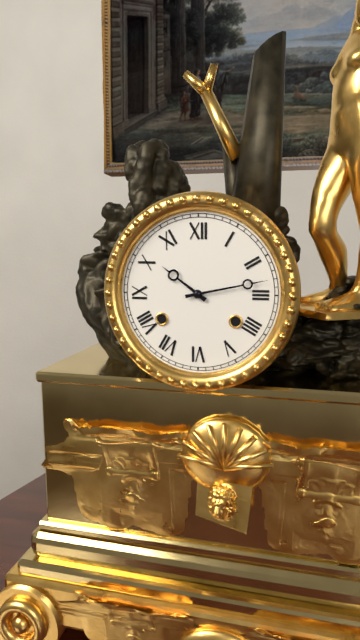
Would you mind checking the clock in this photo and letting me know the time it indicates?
10:13
